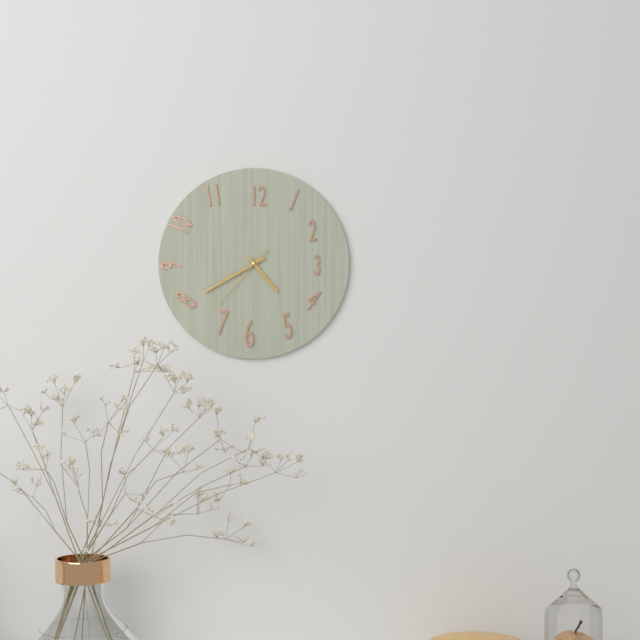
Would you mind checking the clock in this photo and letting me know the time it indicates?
4:40:37
